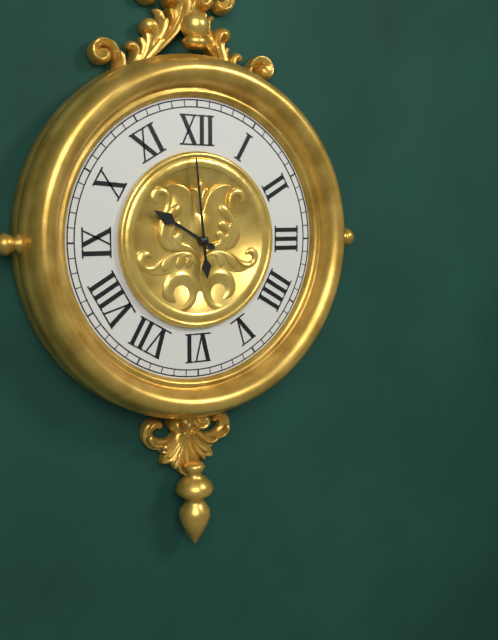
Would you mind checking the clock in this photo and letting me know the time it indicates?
9:59
